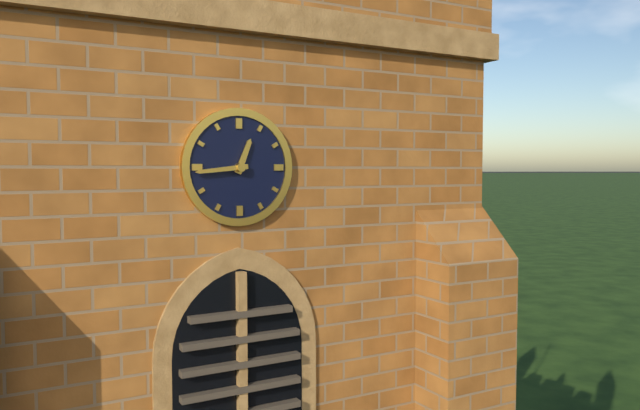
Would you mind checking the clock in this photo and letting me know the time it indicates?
12:44
